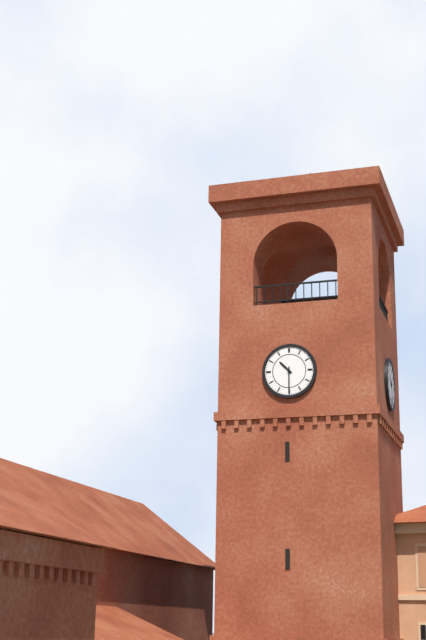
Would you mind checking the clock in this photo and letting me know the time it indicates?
10:30
